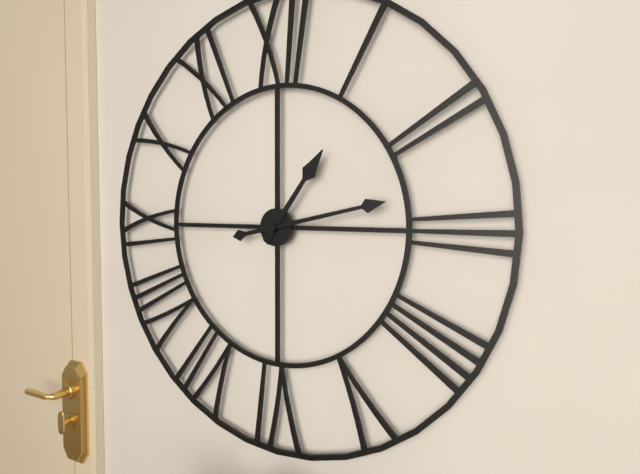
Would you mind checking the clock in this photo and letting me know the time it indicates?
1:13
